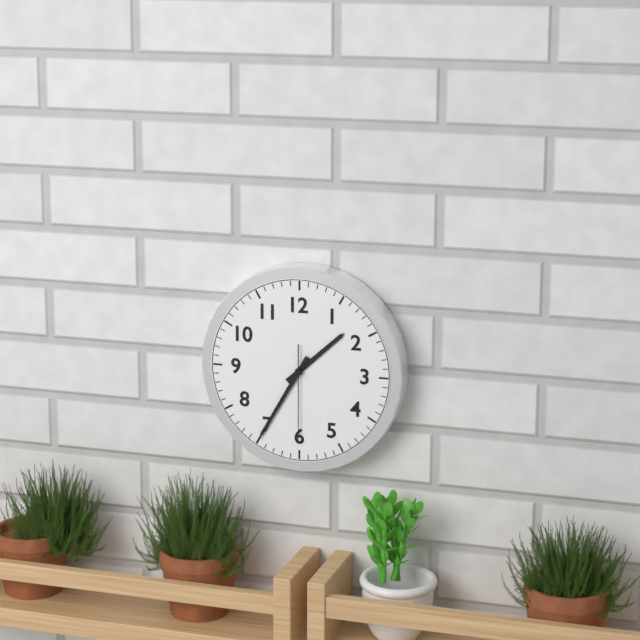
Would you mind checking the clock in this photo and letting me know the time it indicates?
1:35:30
